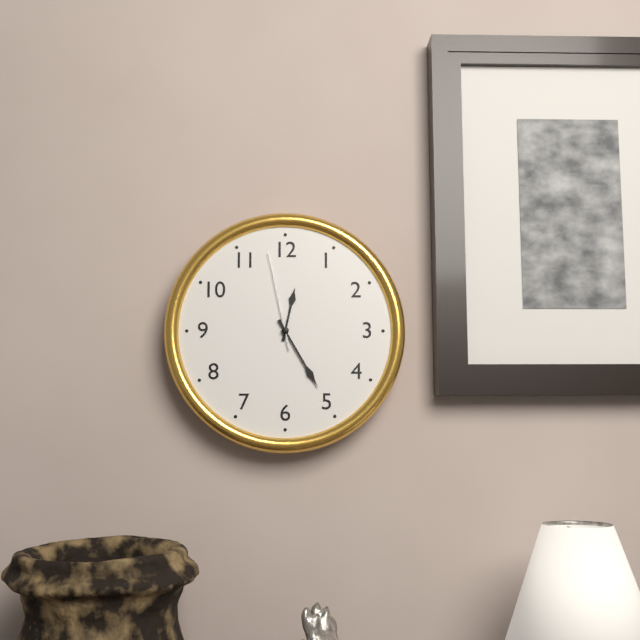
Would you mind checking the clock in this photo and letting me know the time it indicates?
12:25:58
